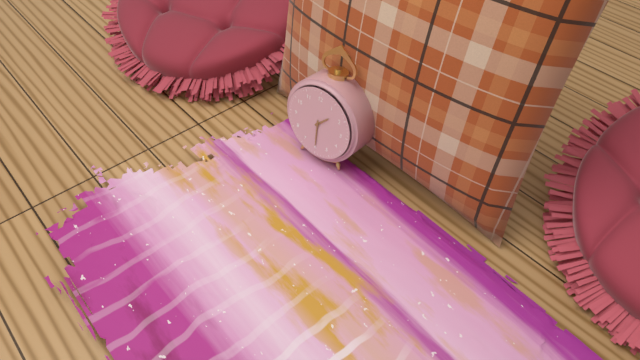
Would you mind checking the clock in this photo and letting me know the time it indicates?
1:30
